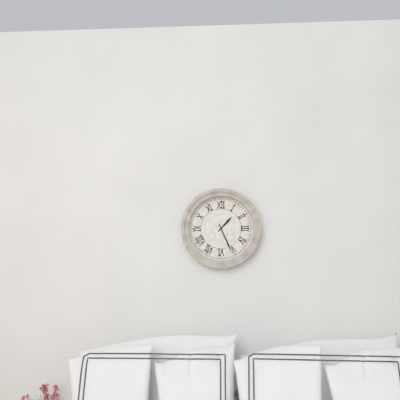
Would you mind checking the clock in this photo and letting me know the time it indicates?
1:26
